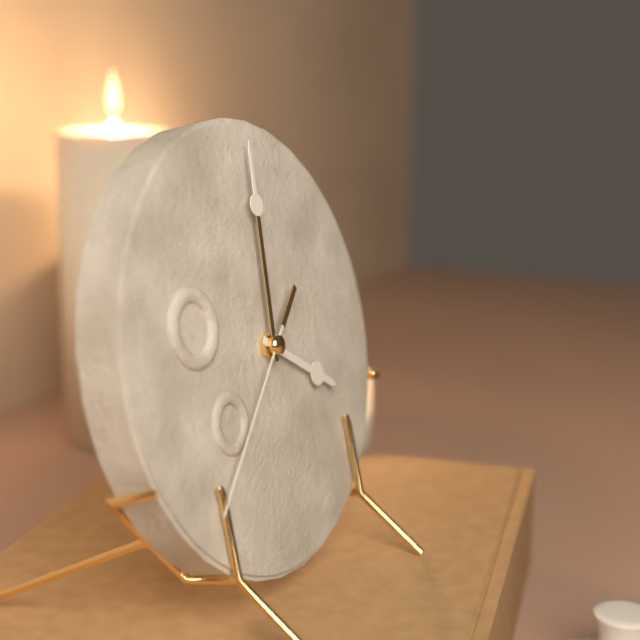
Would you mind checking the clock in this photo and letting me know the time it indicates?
4:01:38
